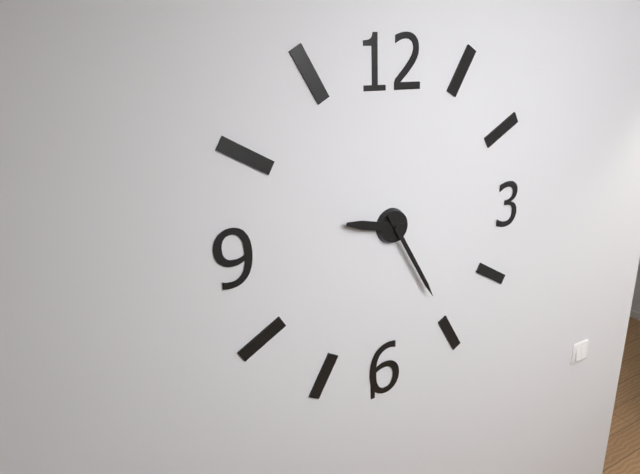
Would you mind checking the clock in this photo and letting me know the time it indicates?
9:25
